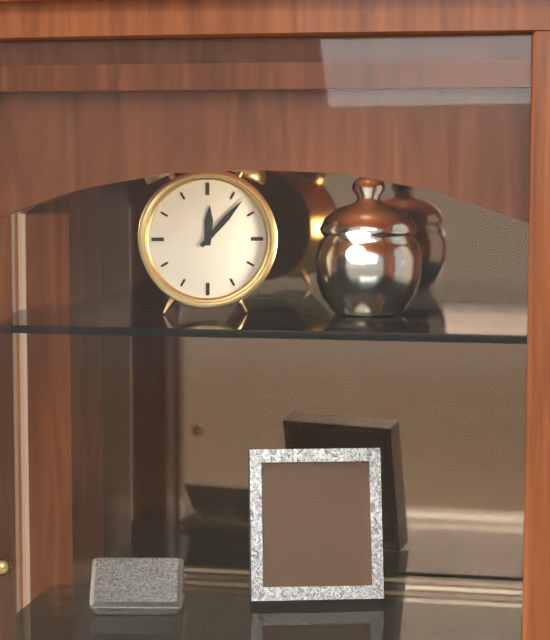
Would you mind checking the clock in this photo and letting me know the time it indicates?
12:07
